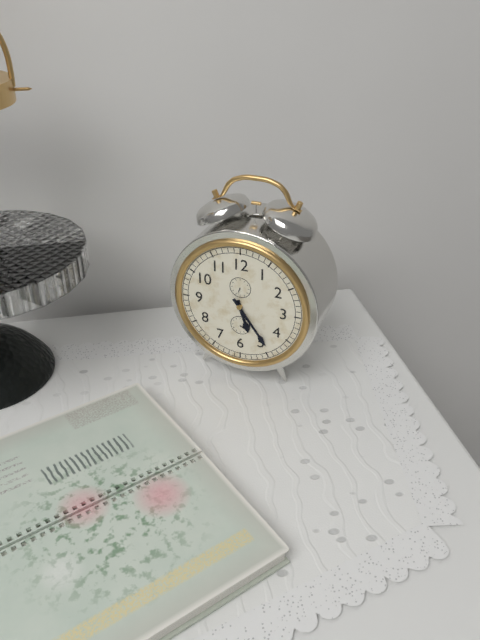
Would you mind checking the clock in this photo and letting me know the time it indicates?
5:24
